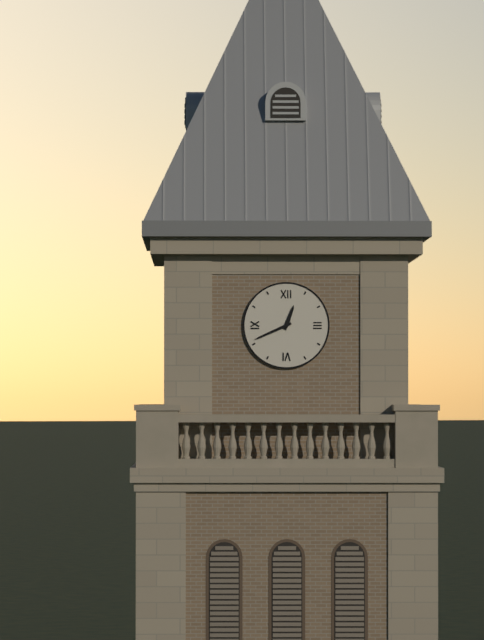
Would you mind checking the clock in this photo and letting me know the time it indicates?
12:41
